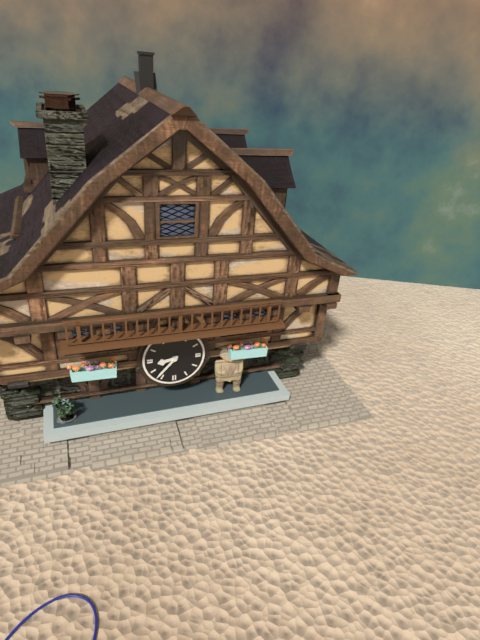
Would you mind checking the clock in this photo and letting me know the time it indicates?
8:37
